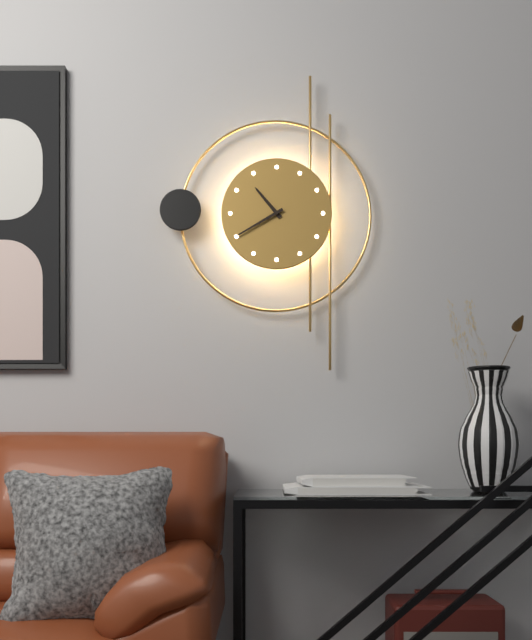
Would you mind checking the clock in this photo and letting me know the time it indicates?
10:40
